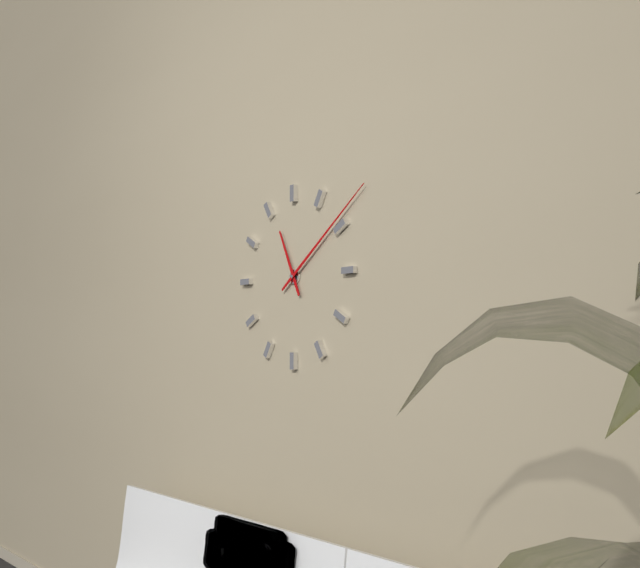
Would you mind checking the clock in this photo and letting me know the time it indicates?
11:09
